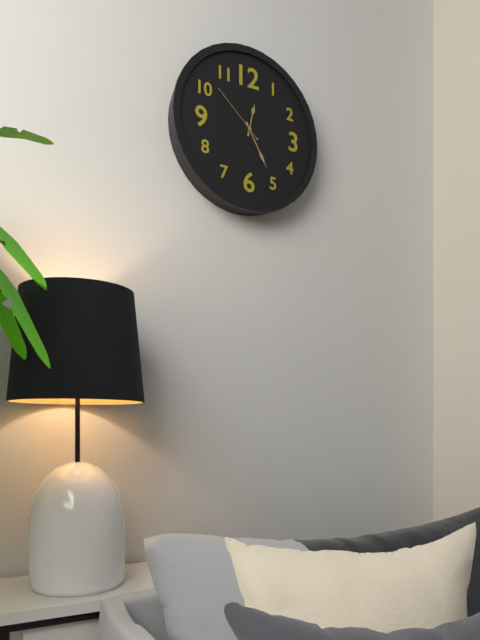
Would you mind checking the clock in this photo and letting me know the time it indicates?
12:25:52
